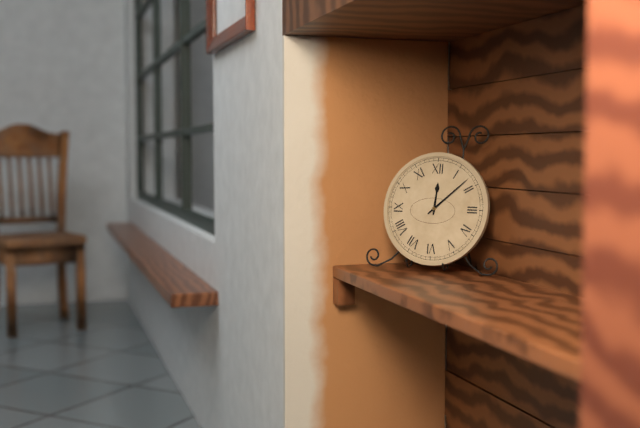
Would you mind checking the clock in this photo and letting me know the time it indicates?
12:08
